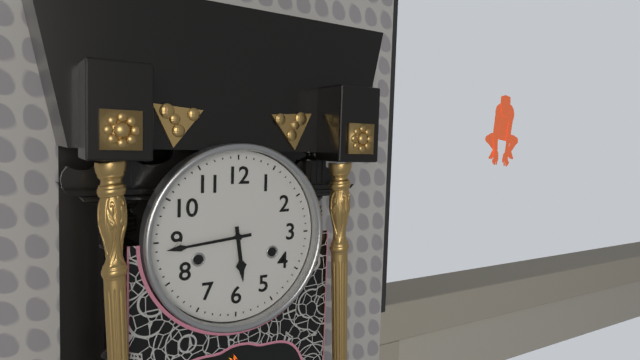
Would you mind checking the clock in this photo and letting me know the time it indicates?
5:44
